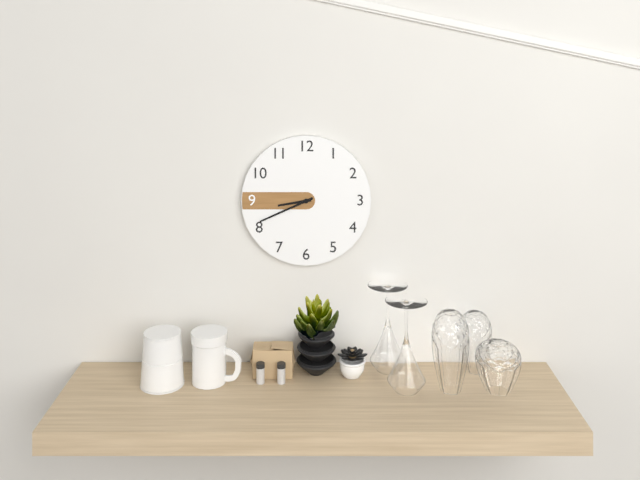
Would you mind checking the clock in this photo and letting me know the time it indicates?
8:41
